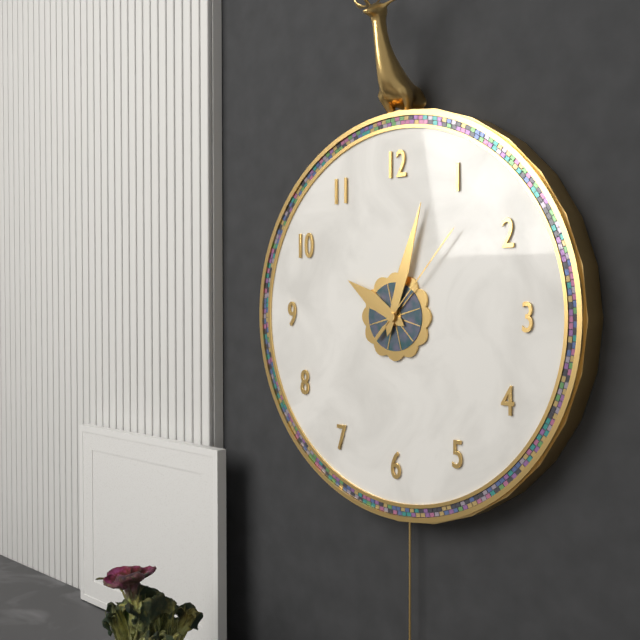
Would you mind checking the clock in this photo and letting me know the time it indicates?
10:03:07
